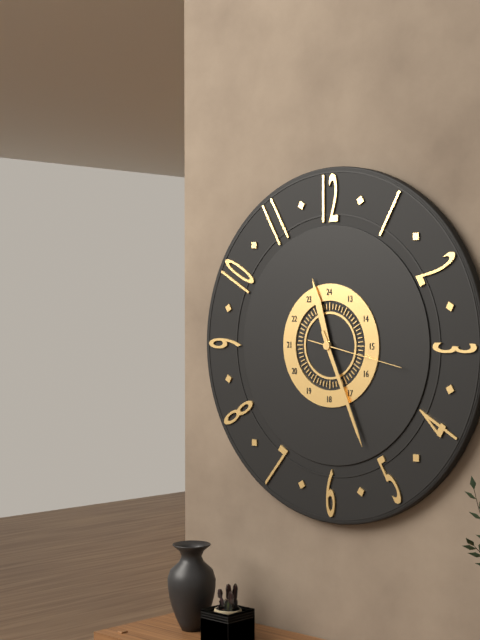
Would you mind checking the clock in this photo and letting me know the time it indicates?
11:26:17
